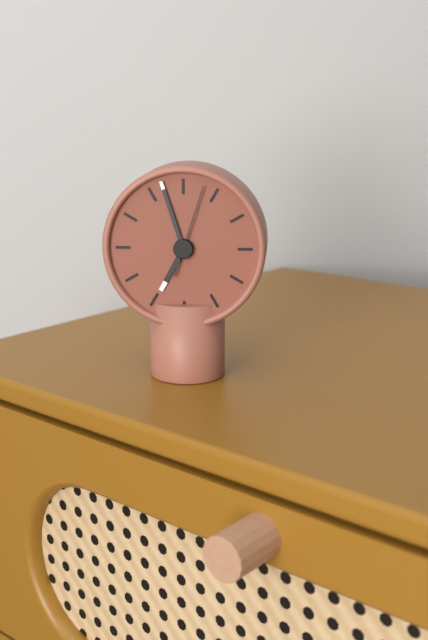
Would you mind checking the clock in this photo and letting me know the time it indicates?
6:57:03
